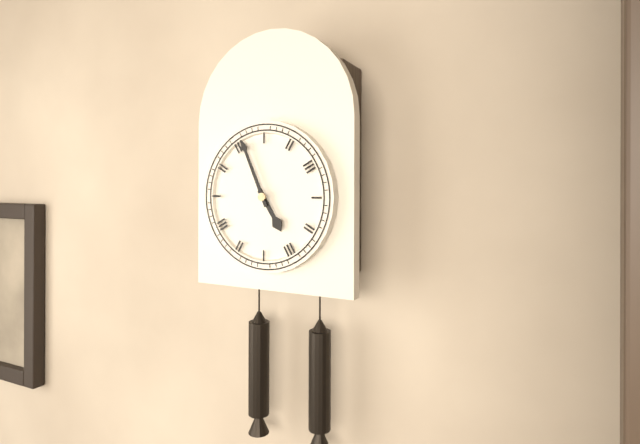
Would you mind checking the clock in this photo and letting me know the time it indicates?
4:56
